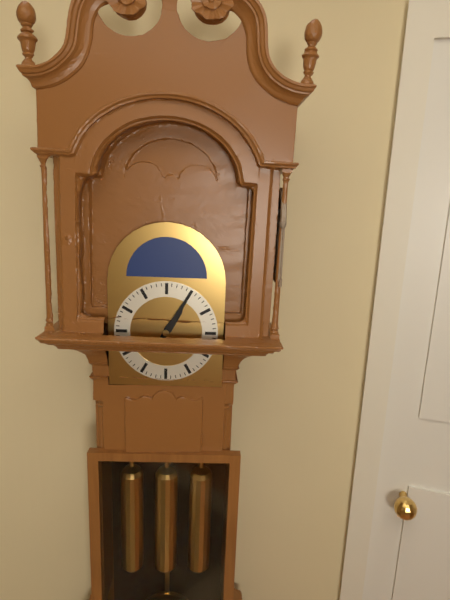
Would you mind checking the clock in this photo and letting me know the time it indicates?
1:05
